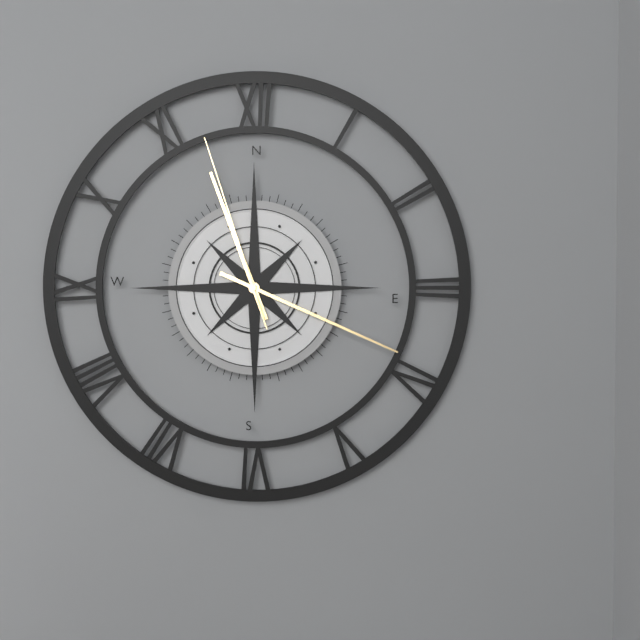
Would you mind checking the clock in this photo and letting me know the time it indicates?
11:19:57
